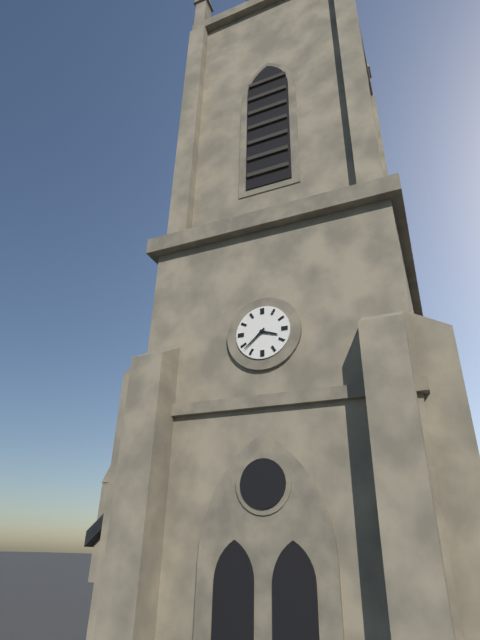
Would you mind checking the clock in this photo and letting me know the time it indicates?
3:38
